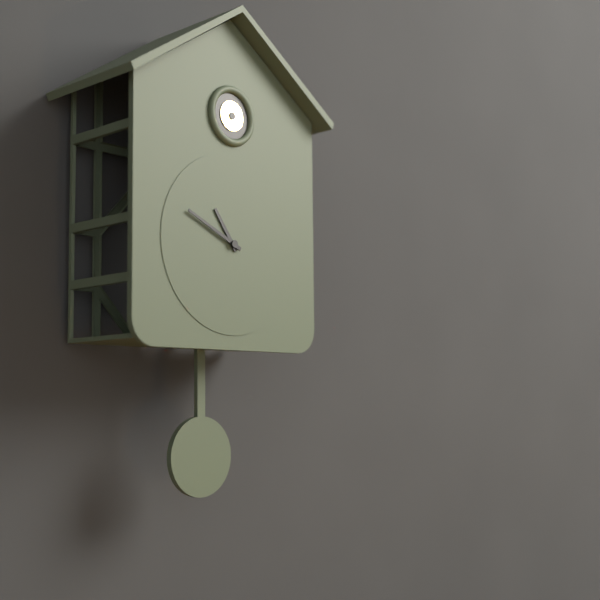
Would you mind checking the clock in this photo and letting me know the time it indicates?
10:49
